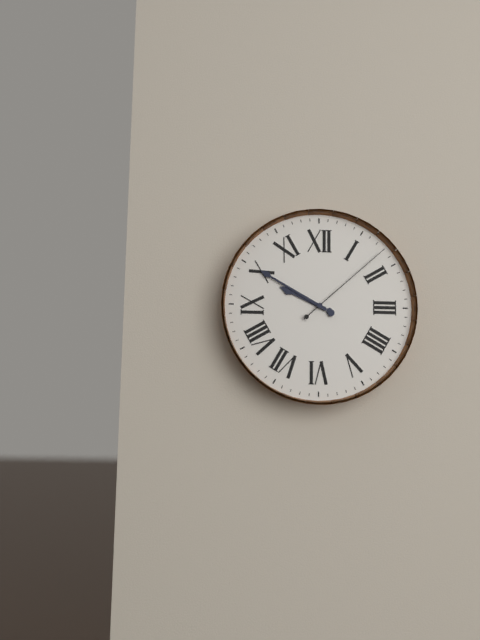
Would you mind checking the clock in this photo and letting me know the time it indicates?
9:50:08
